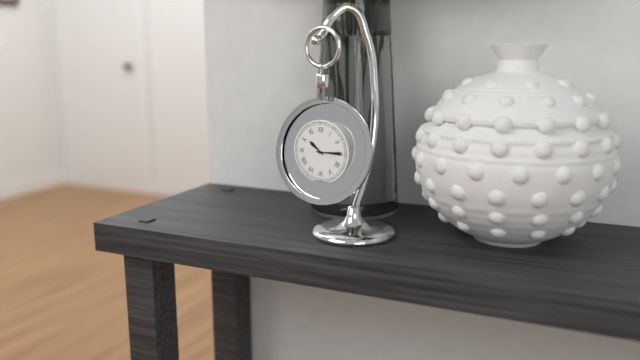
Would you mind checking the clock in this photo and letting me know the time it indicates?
10:15
